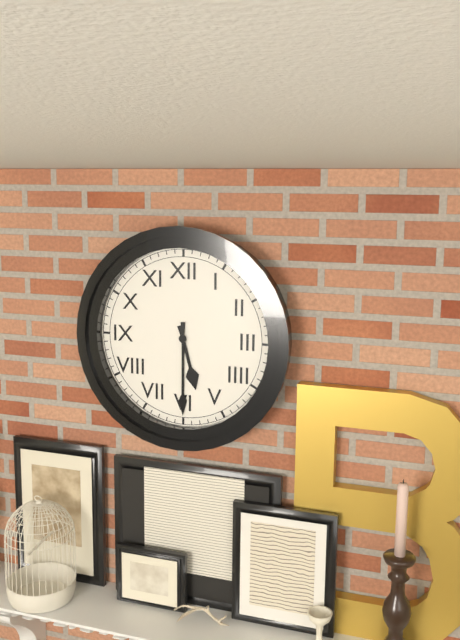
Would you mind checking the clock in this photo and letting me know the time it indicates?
5:30
